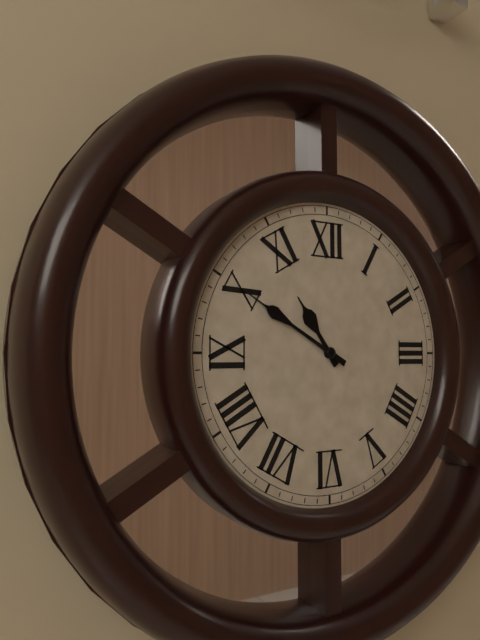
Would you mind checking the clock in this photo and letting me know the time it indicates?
10:50
